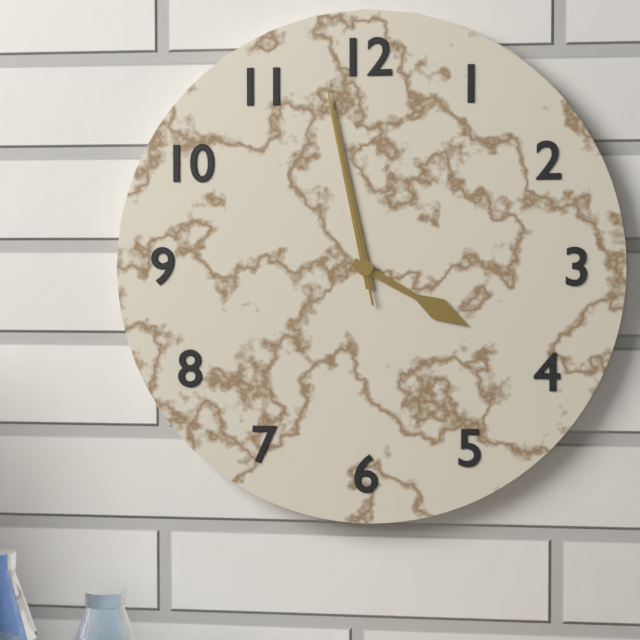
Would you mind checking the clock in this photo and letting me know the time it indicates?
3:58:58
